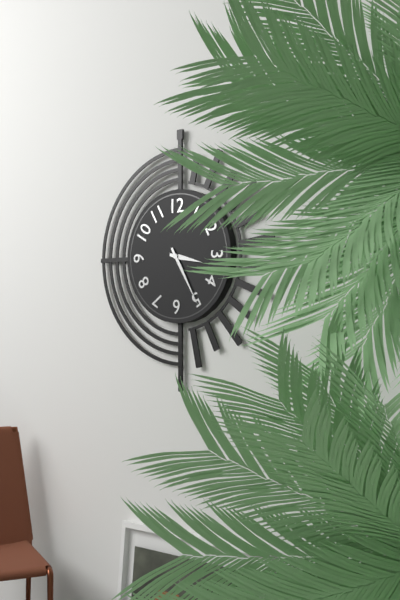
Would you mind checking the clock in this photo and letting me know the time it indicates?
3:25
